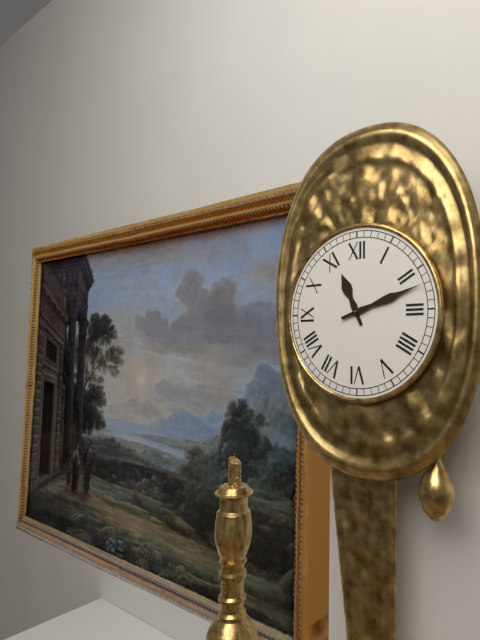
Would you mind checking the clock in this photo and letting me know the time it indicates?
11:12
